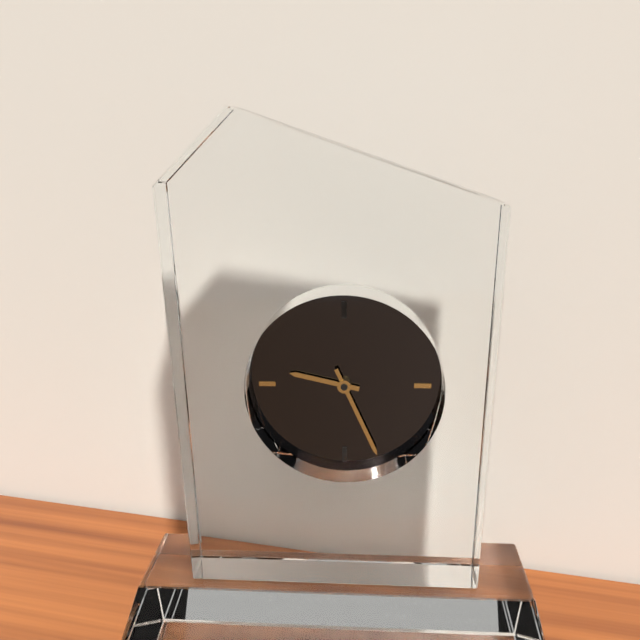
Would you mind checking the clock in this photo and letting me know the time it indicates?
9:26
